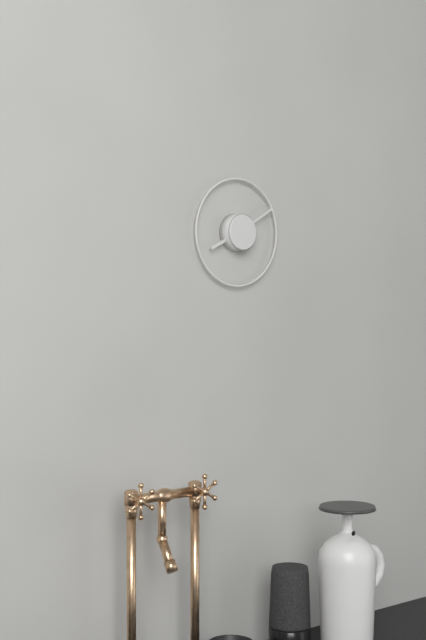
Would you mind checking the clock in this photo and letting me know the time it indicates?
8:10
